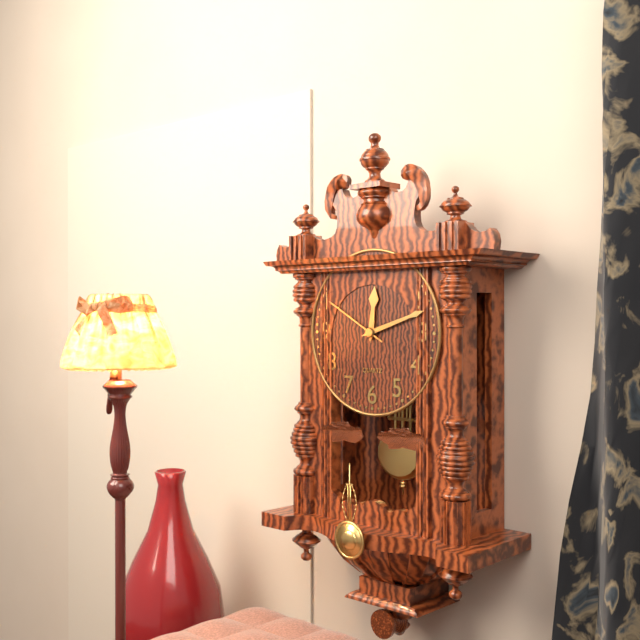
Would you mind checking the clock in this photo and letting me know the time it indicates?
12:12:50
